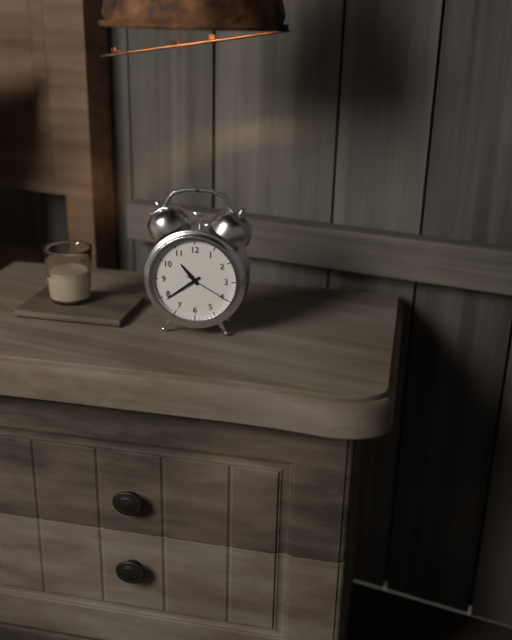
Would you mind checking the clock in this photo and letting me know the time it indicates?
10:39
